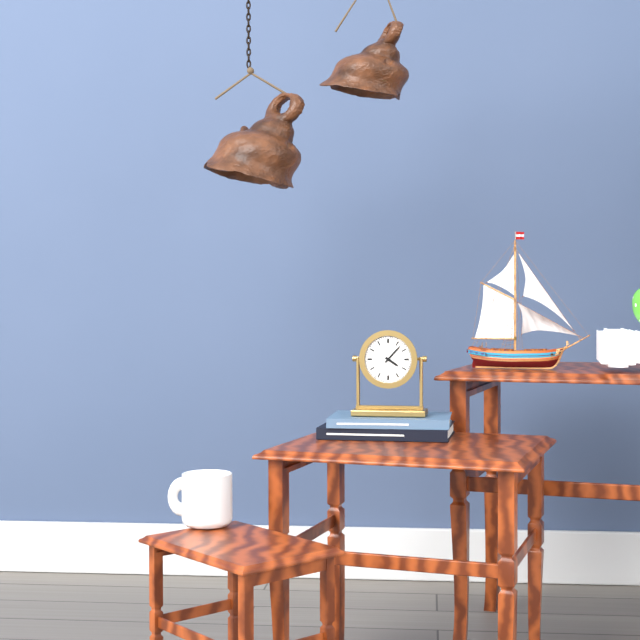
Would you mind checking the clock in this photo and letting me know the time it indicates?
4:07
